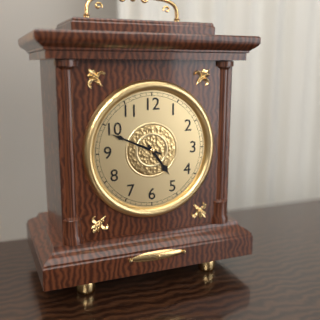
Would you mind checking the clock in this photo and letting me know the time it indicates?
4:49
